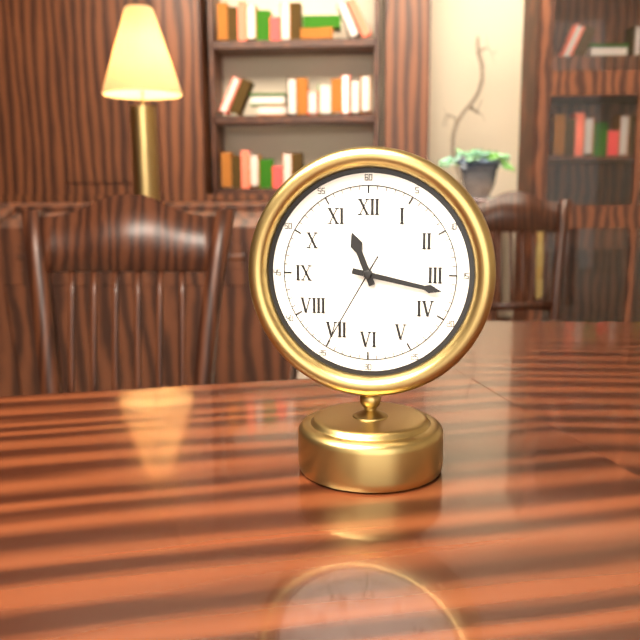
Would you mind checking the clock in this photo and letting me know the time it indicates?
11:17:35
